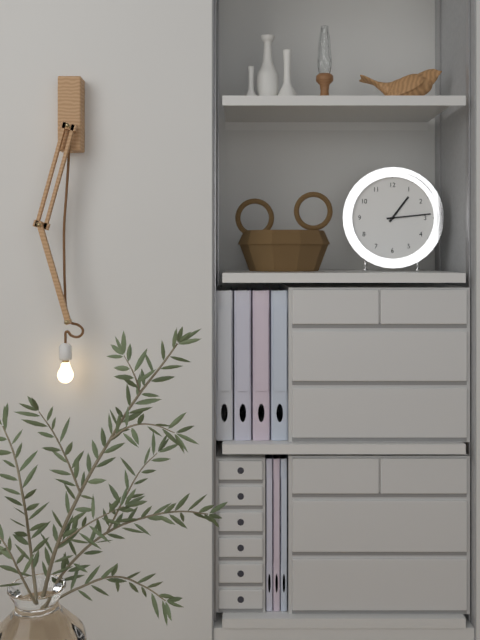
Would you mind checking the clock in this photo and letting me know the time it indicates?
1:14
